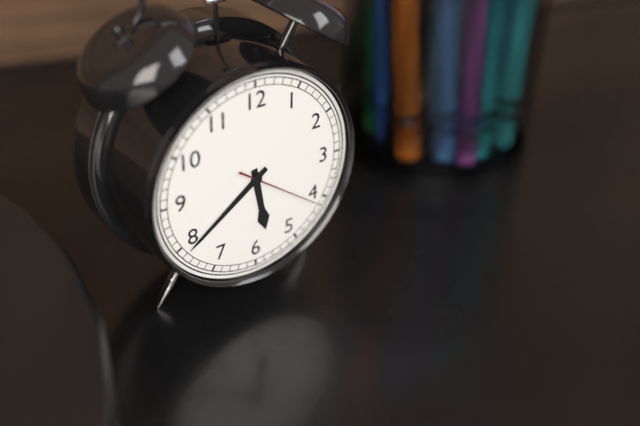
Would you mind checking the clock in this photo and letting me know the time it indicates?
5:39:21
